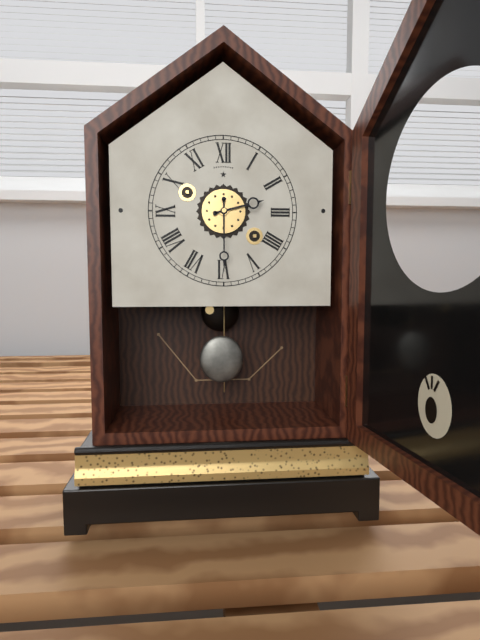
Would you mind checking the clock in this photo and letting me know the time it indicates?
2:30
